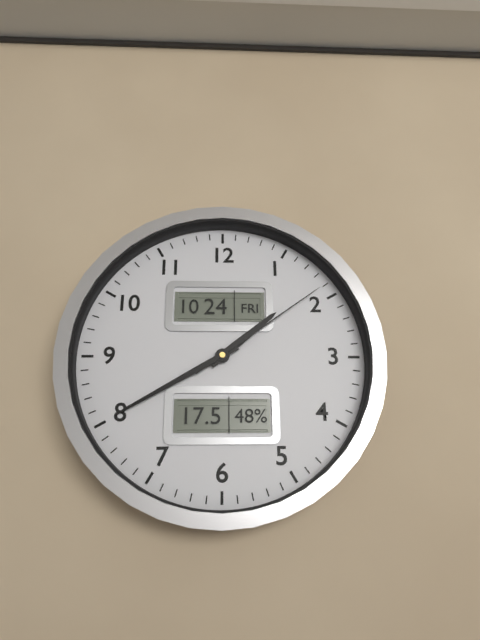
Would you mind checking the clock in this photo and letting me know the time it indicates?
1:40:09
